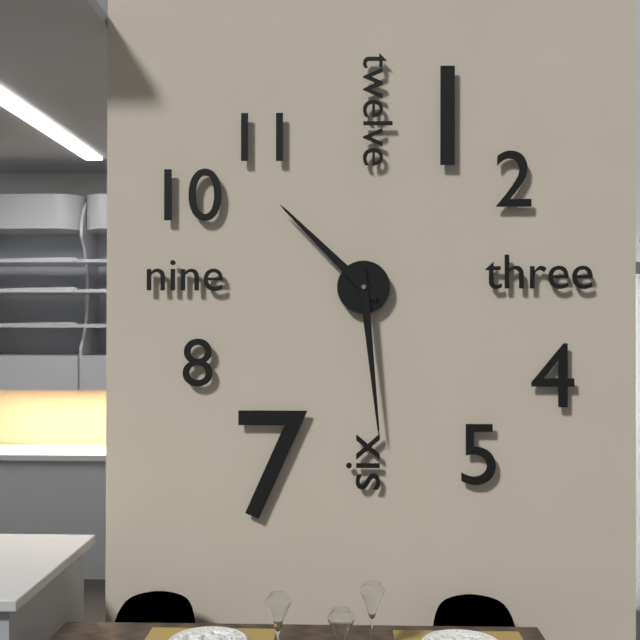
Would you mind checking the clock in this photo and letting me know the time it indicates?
10:29
